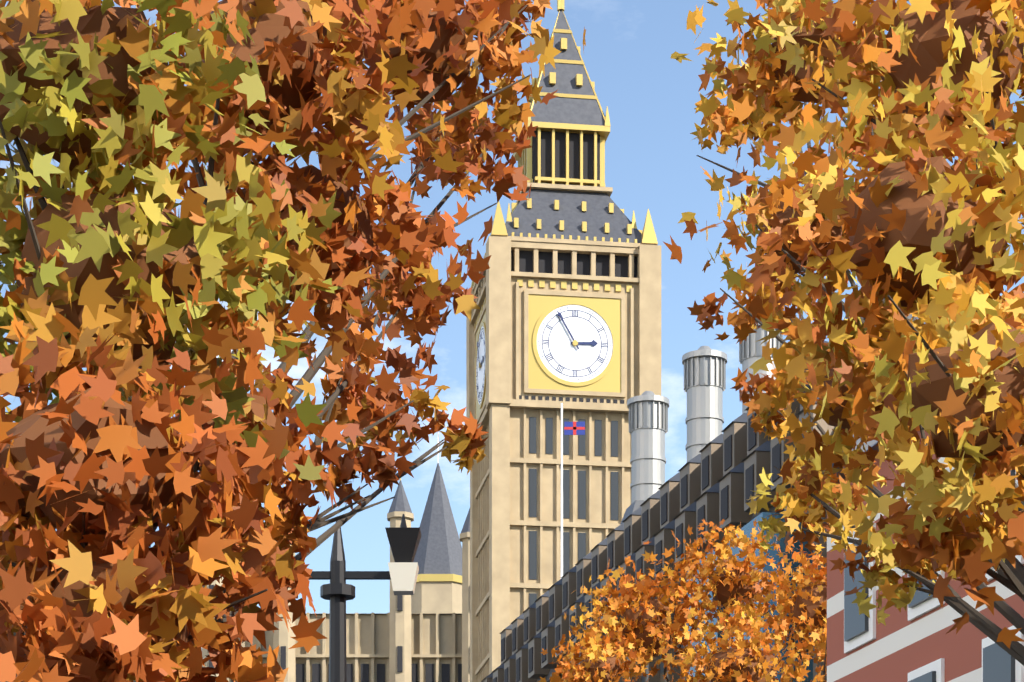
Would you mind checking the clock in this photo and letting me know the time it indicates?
2:55
